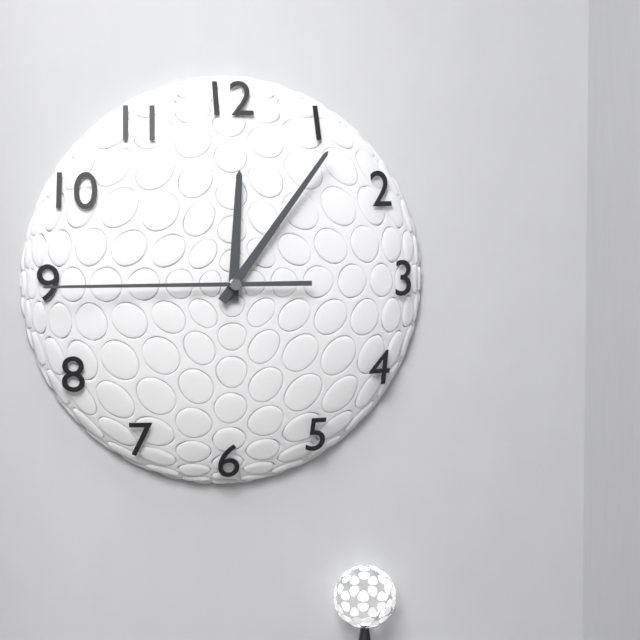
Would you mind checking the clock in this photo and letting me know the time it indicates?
12:06:45
